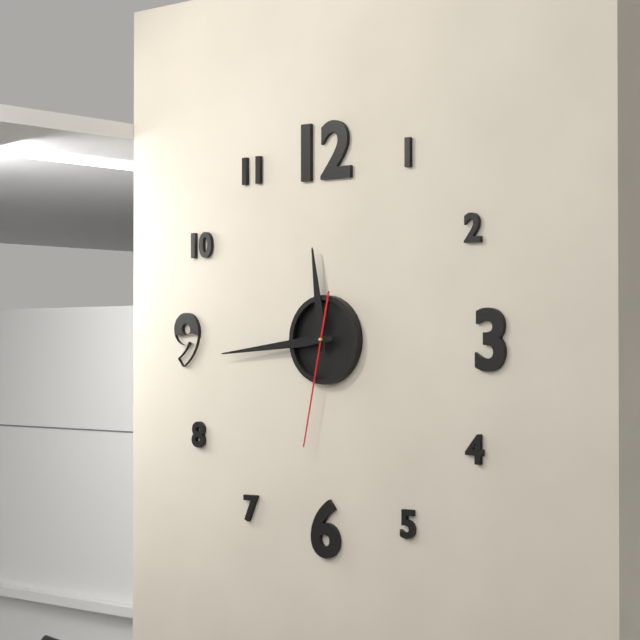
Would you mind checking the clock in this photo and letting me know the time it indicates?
11:44:32
